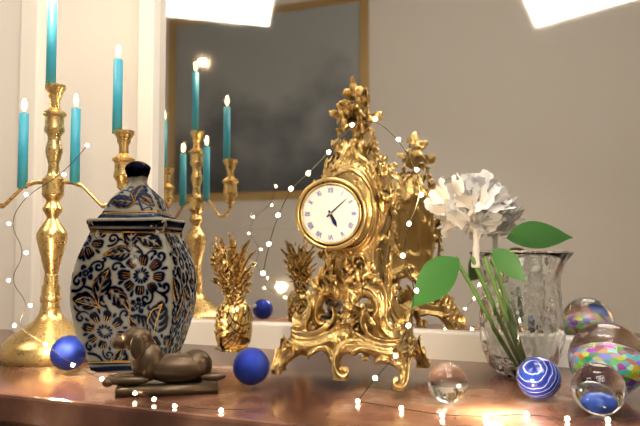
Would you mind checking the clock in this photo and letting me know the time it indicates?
5:08
